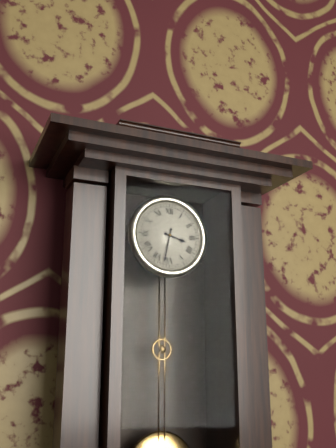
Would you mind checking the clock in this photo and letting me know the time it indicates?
3:32
